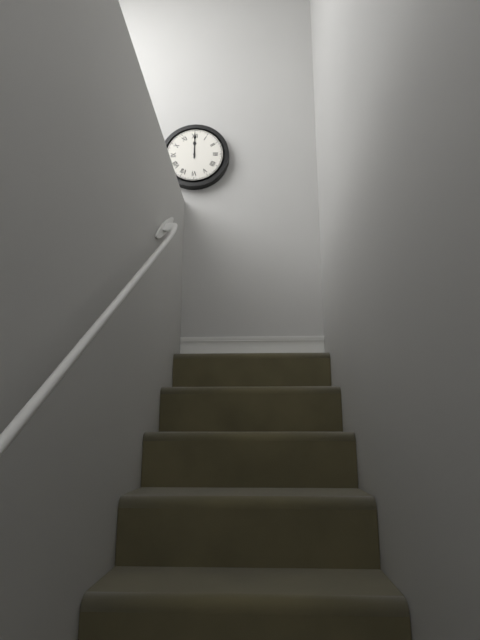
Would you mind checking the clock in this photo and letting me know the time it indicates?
12:00
